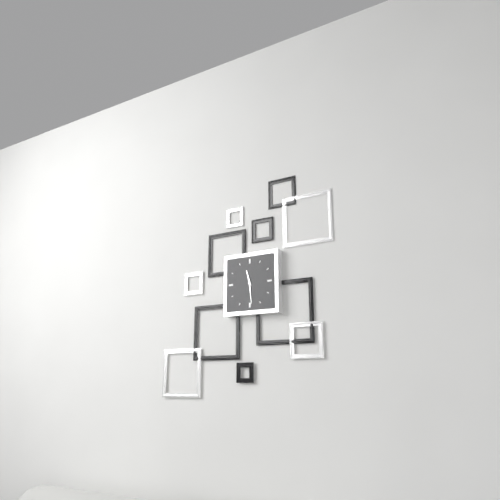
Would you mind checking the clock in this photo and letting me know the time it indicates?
11:29
